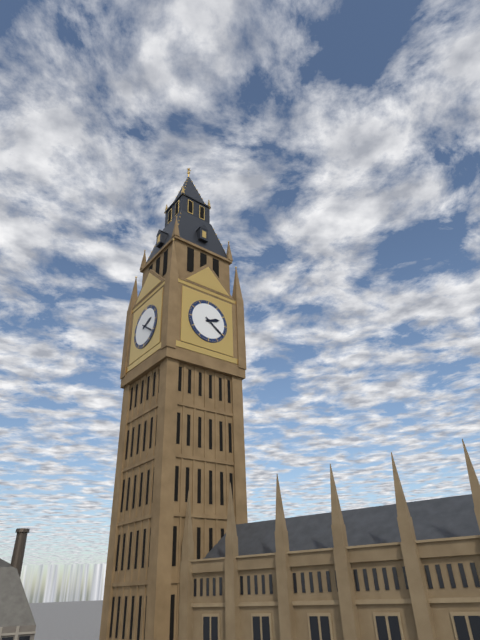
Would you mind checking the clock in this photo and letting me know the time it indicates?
2:21
